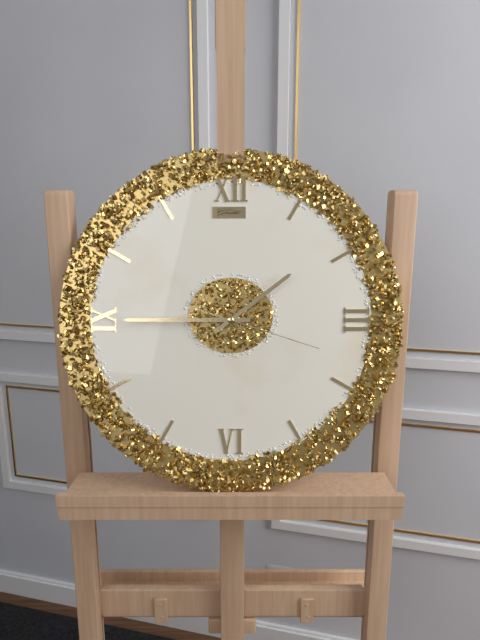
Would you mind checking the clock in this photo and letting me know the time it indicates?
1:45:18
